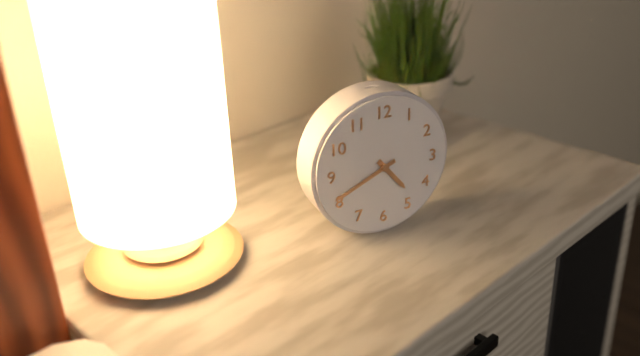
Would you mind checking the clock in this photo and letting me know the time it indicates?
4:41
